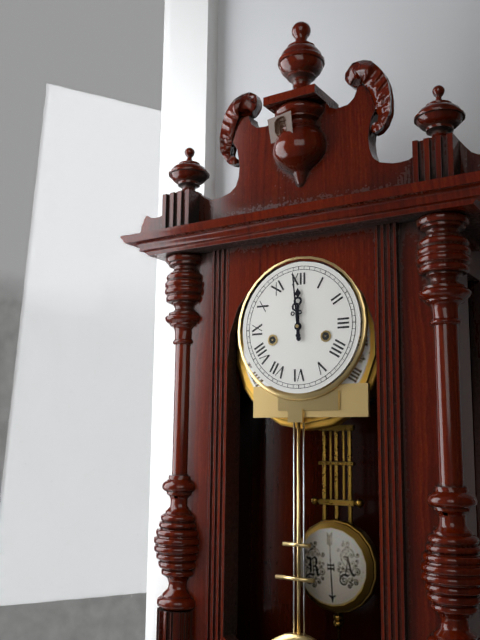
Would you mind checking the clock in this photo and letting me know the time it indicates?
11:59
